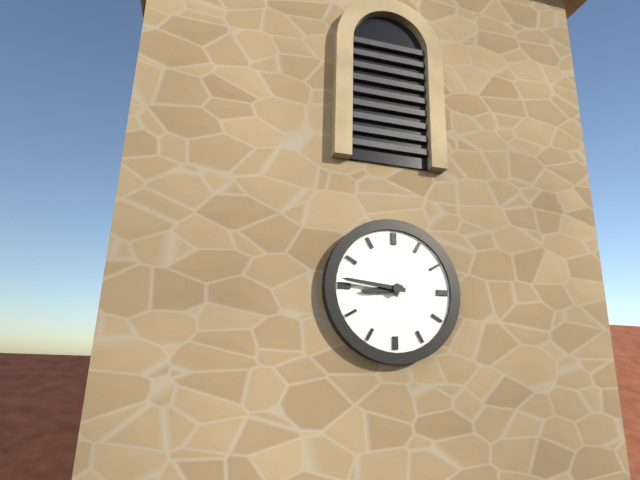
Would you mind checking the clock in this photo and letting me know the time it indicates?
8:46
